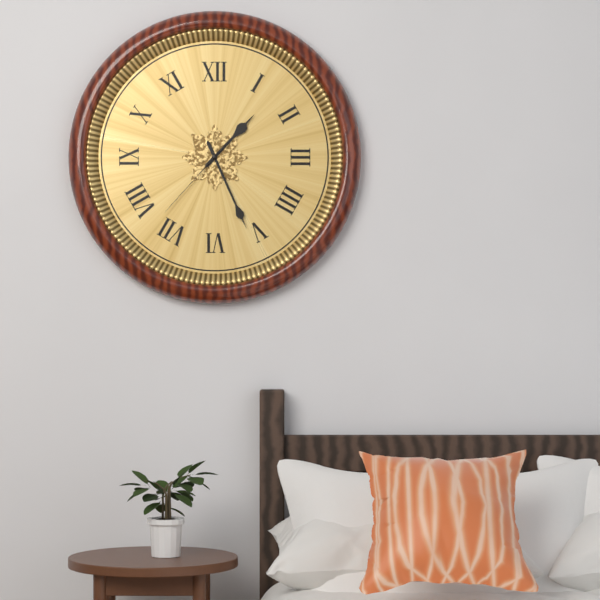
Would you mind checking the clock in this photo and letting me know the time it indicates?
1:26:37
